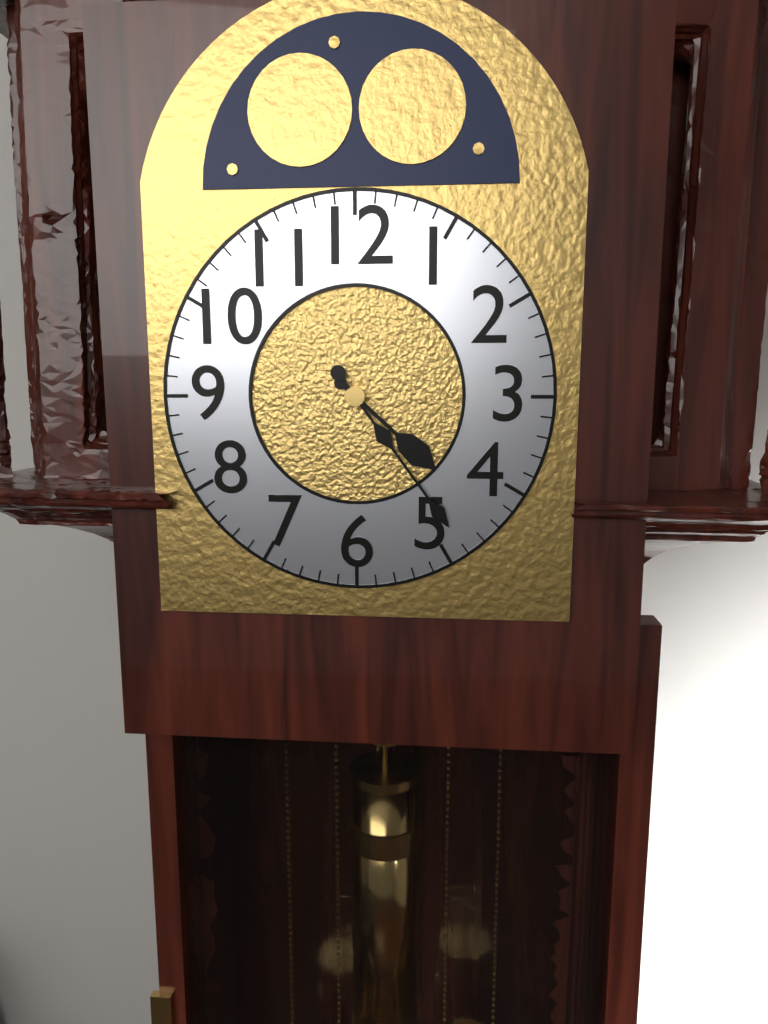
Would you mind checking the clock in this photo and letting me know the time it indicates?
4:24
